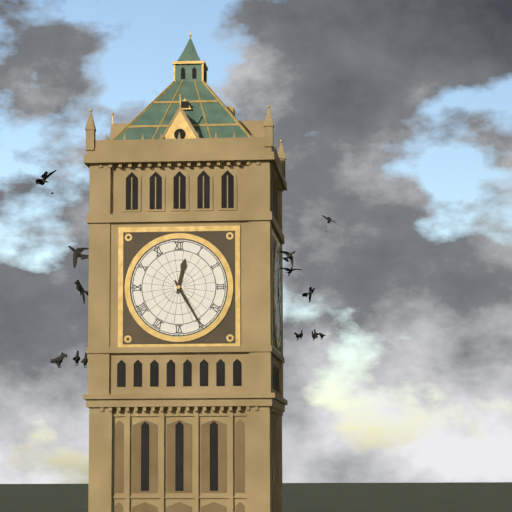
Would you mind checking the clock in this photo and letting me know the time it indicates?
12:25
